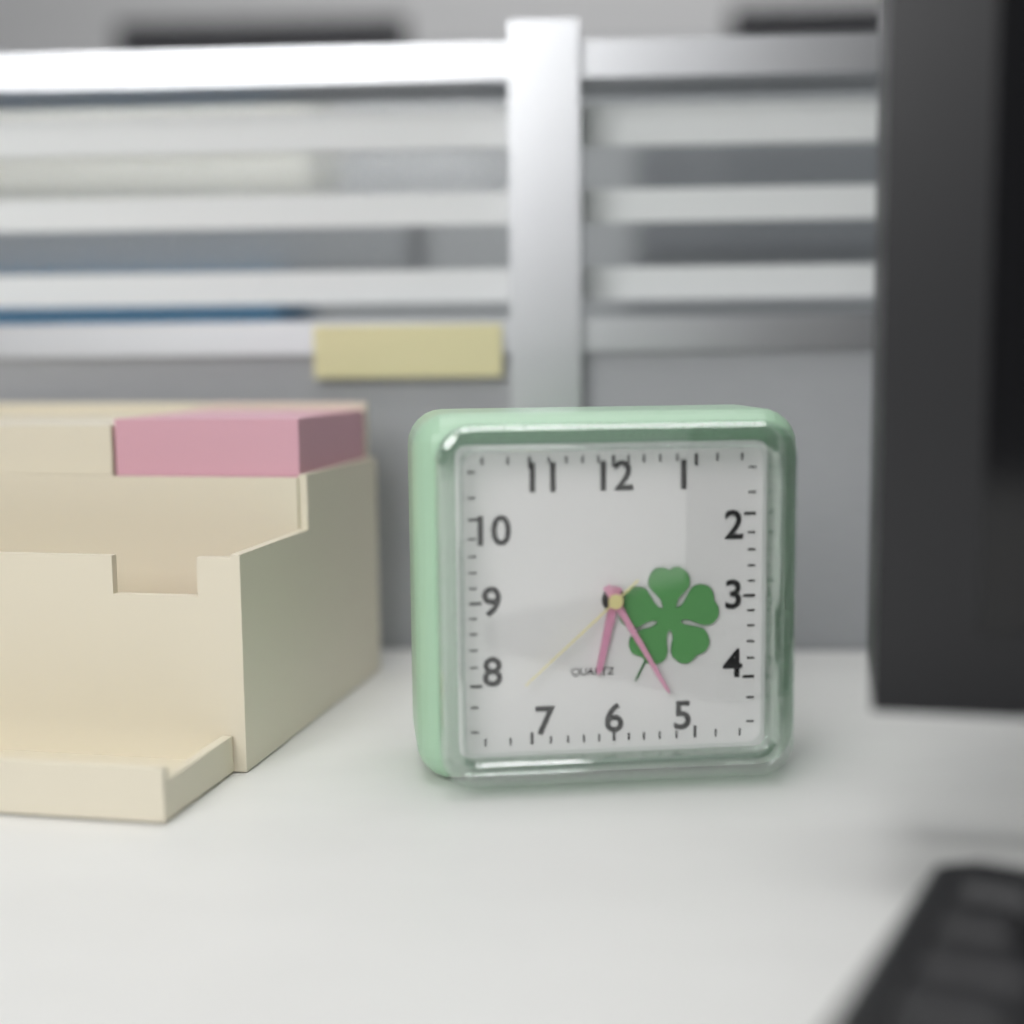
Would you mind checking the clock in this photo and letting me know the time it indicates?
6:25:38
